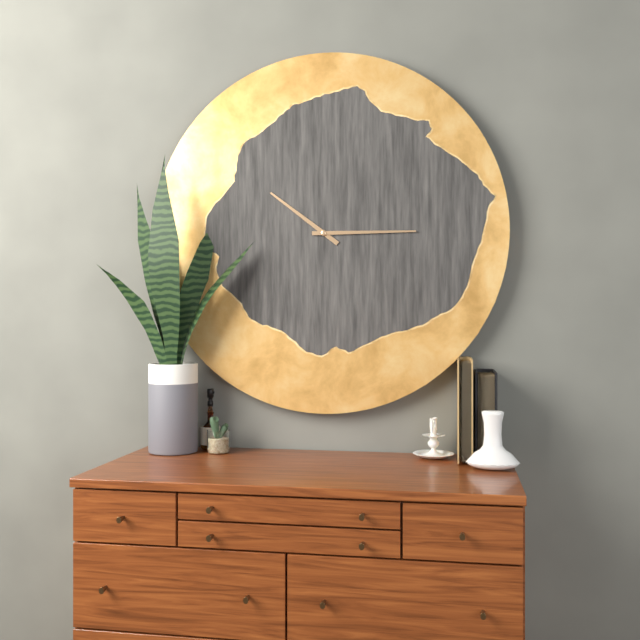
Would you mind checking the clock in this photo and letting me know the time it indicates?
10:15
